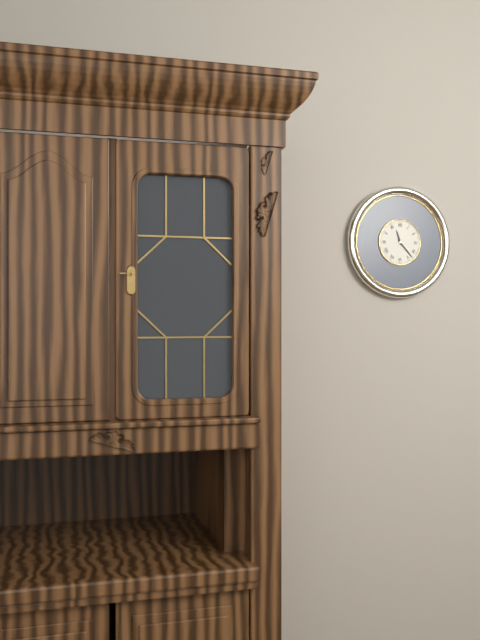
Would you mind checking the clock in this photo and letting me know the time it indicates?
11:23
